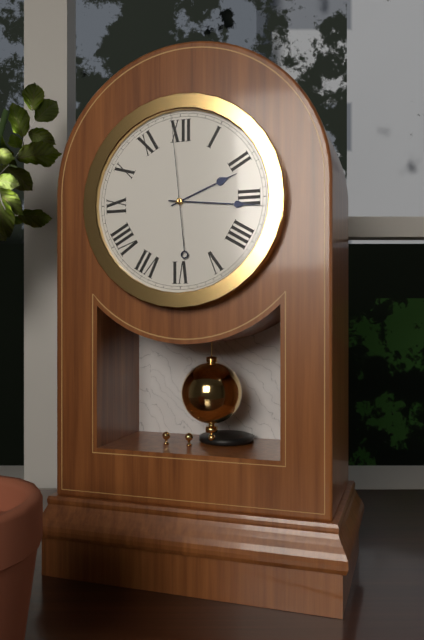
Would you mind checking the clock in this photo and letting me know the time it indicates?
2:16:59
